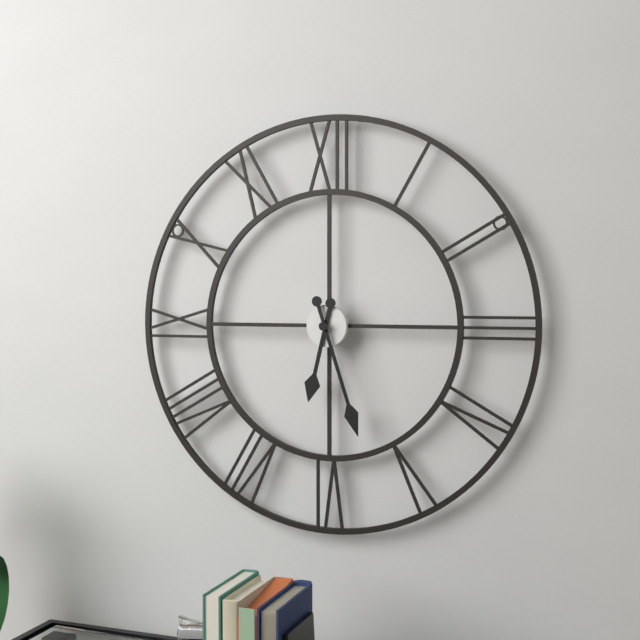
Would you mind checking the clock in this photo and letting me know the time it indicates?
6:27
